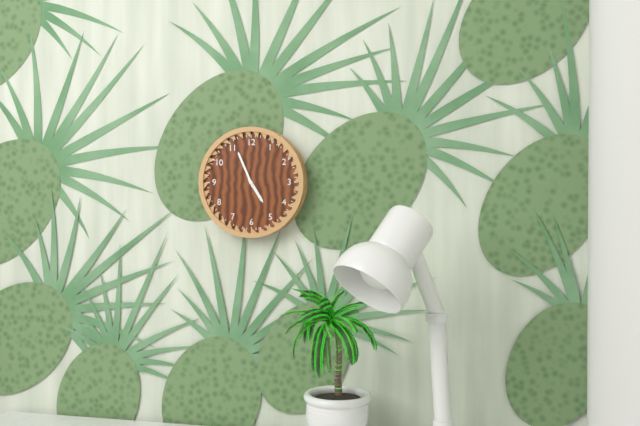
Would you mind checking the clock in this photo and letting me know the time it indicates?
4:56
